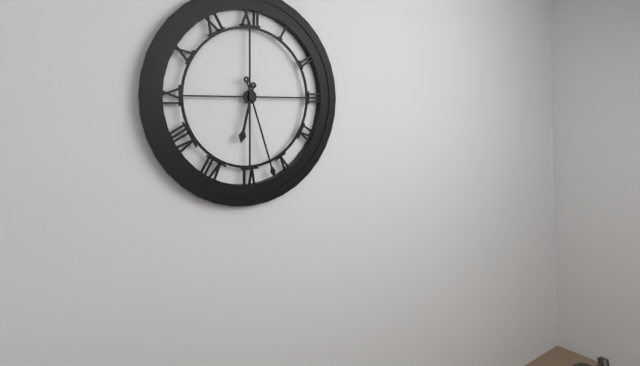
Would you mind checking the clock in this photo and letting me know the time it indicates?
6:27
